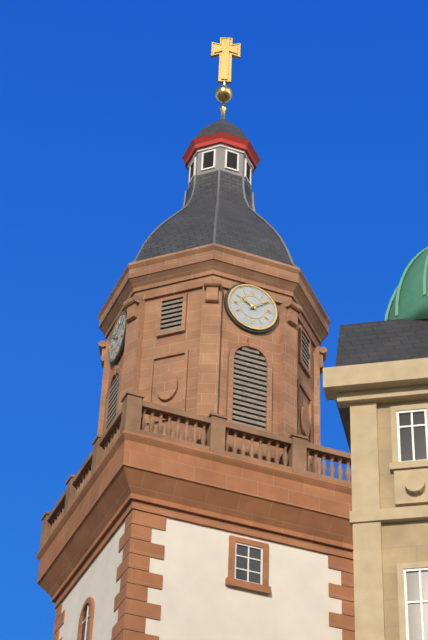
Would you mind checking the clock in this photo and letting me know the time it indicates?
10:09
